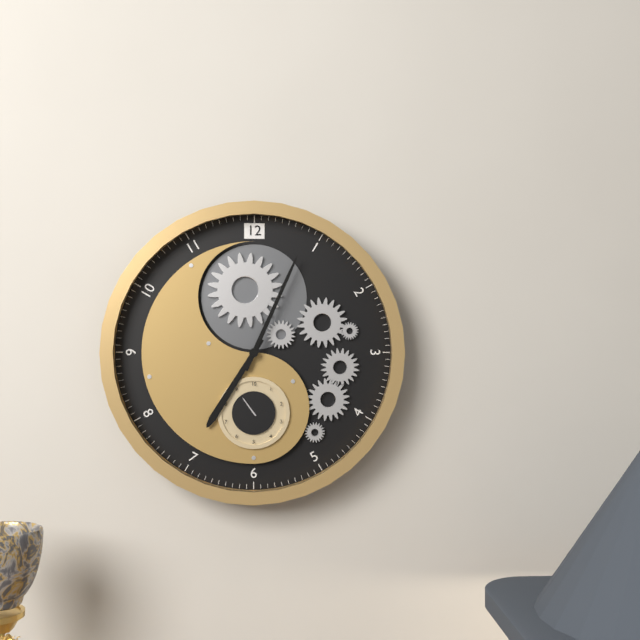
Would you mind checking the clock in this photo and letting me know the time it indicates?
7:04
